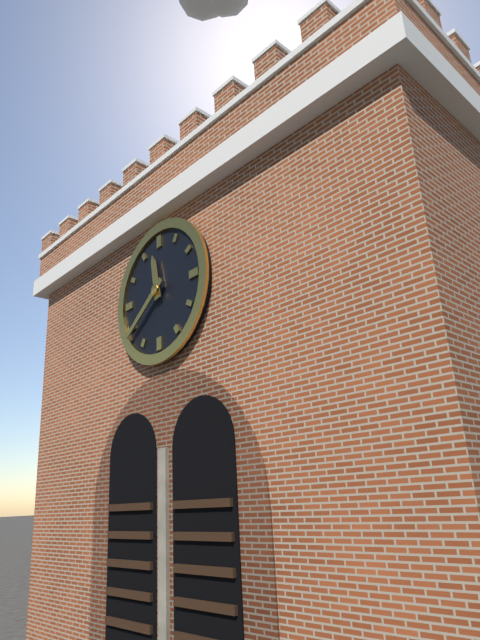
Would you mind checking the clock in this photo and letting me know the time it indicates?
11:39
